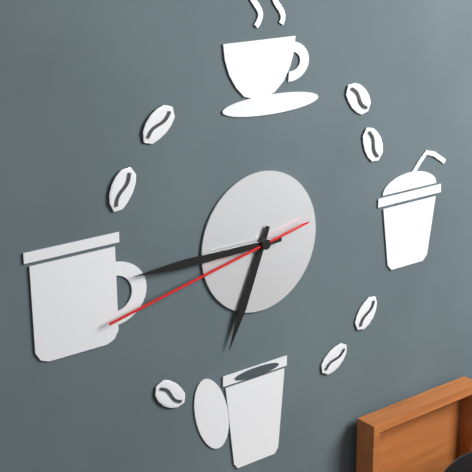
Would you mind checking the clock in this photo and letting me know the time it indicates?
6:45:43
